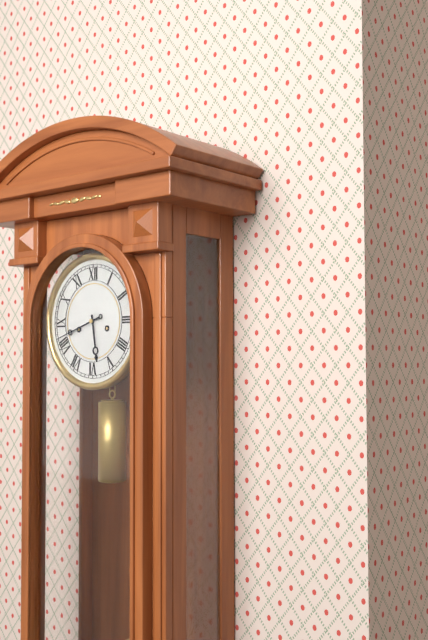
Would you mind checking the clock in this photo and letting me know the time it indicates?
5:42
